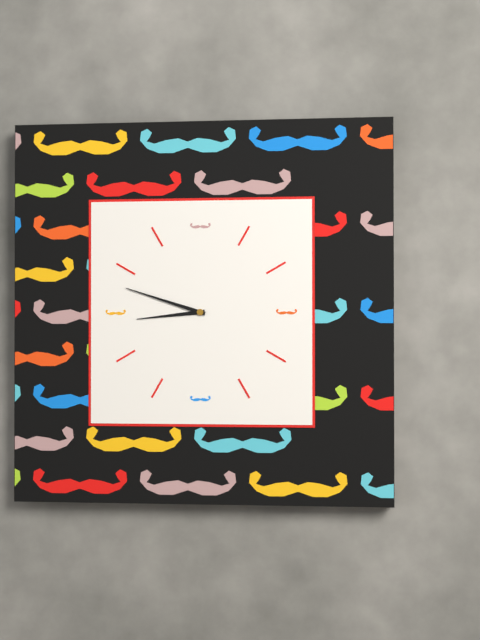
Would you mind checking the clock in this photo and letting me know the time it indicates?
8:48
